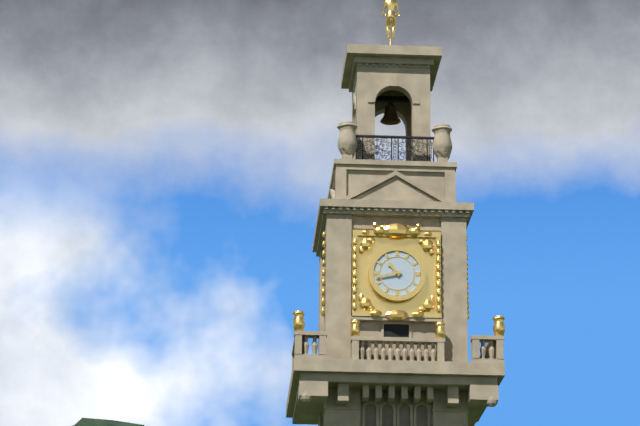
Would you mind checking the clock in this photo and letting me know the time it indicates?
10:43
